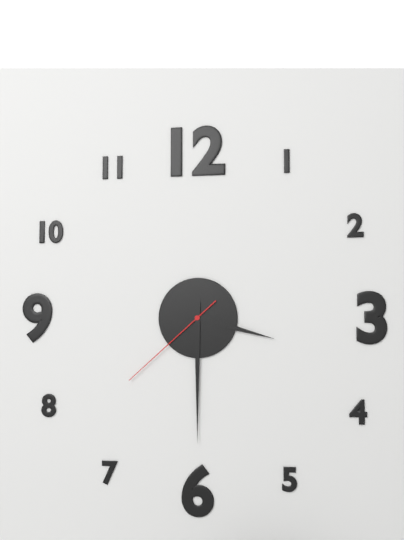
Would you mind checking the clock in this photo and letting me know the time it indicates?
3:30:38
